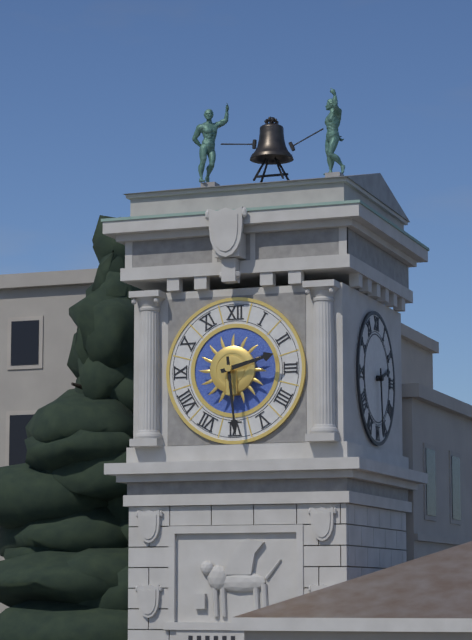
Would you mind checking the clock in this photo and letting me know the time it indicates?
2:29
